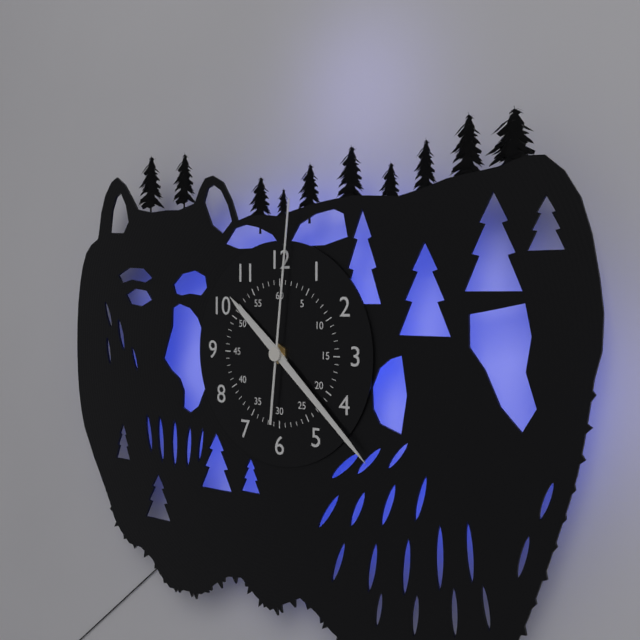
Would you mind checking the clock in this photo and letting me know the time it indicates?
10:22:01
